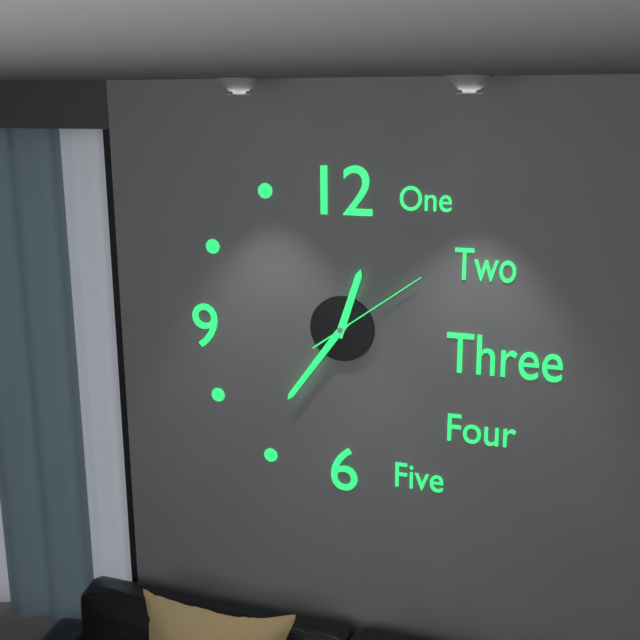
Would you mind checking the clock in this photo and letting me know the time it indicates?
12:36:09
